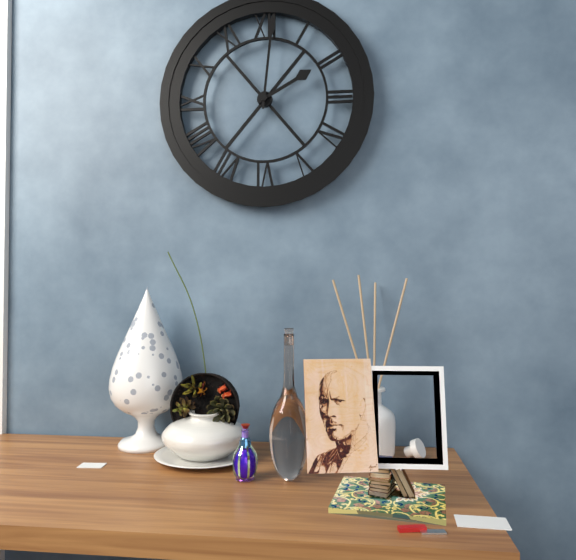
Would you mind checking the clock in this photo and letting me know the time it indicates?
2:01
